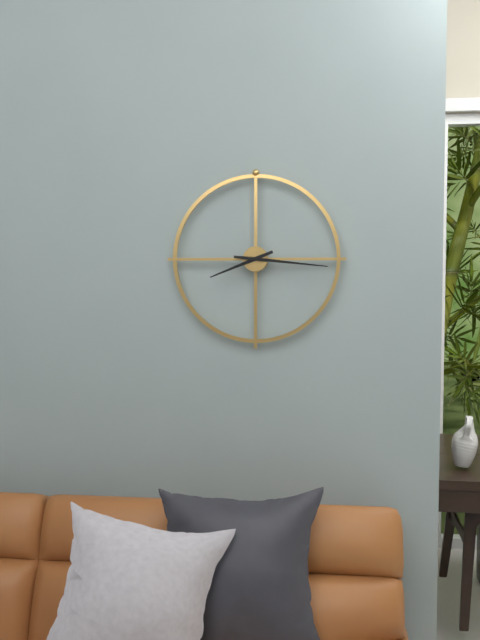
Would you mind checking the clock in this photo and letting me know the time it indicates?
8:16
